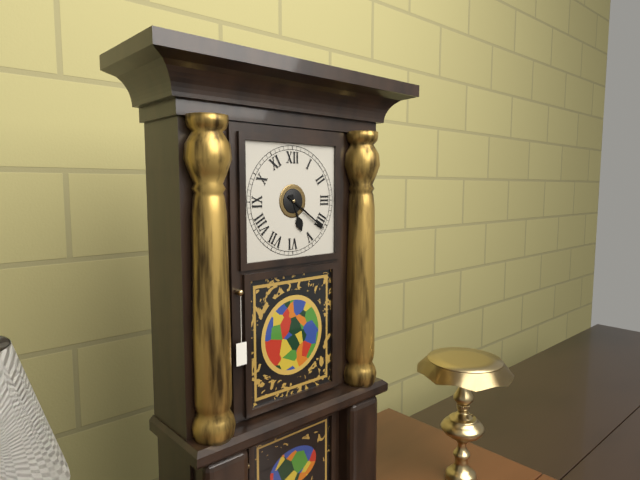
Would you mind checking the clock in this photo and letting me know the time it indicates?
5:21
